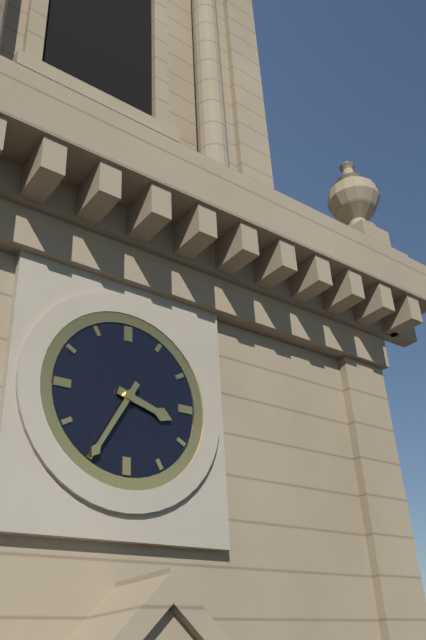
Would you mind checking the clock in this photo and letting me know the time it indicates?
3:35
